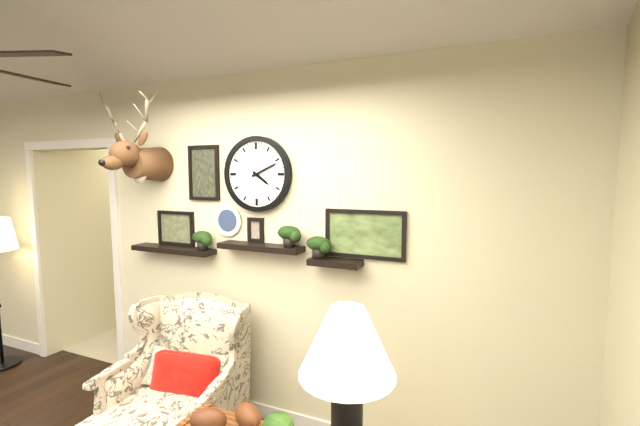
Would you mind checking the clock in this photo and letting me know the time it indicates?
4:11
